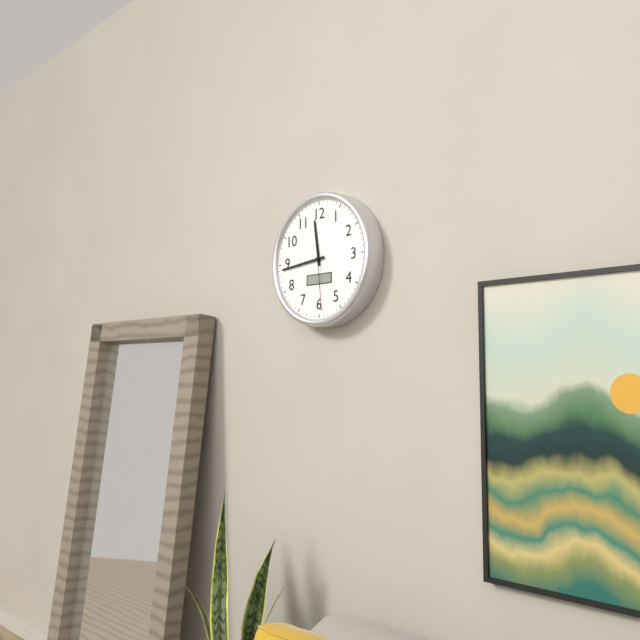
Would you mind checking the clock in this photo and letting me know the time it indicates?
11:44:29
